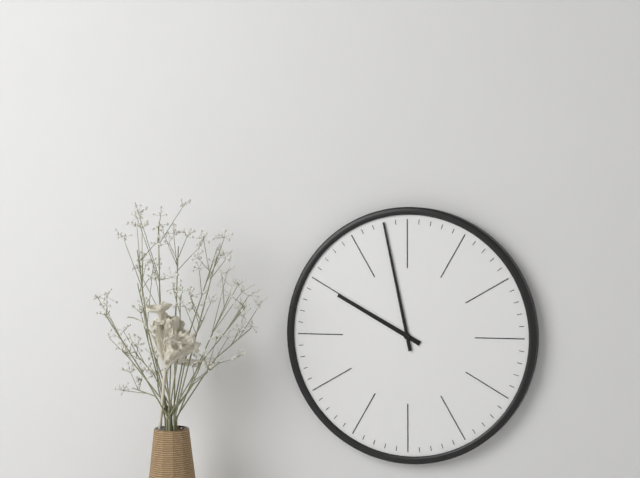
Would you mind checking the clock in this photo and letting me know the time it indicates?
9:58
